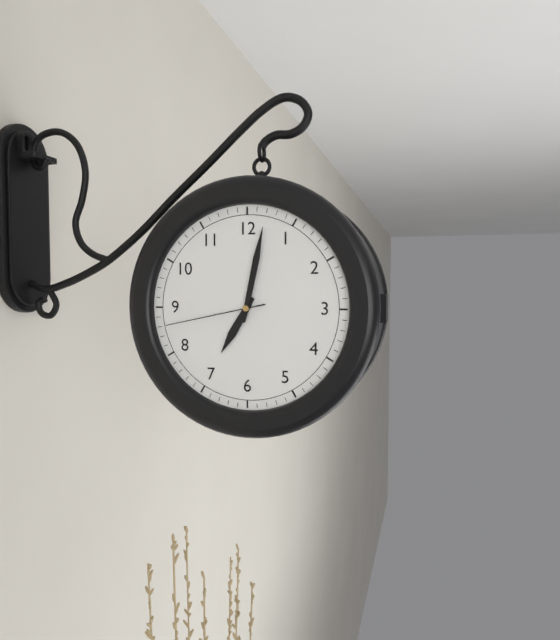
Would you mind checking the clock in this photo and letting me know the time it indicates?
7:02:43
